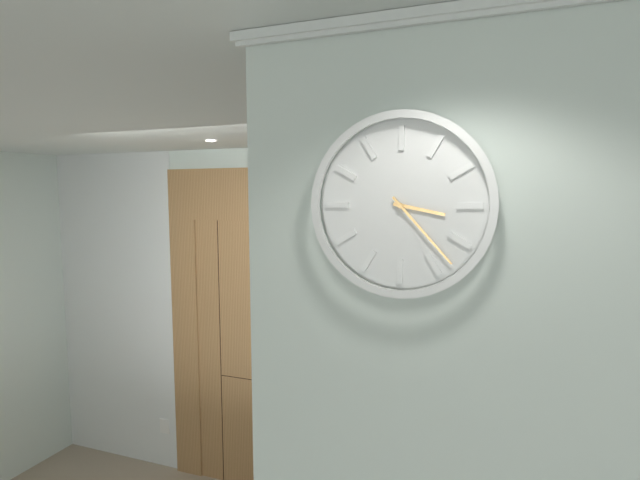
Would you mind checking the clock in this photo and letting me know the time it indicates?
3:23
